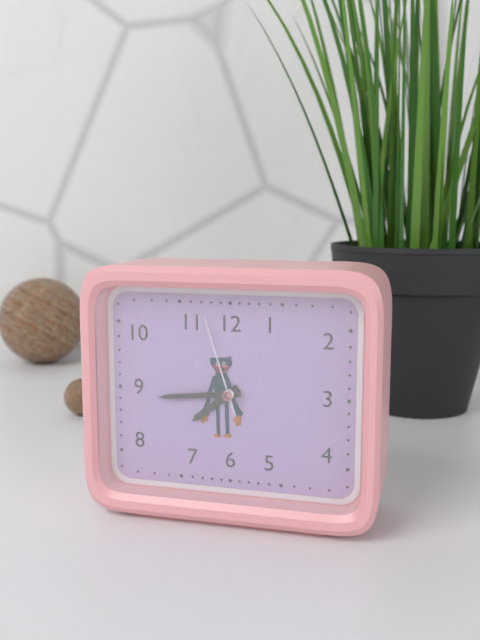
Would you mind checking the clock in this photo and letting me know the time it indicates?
7:44:57
